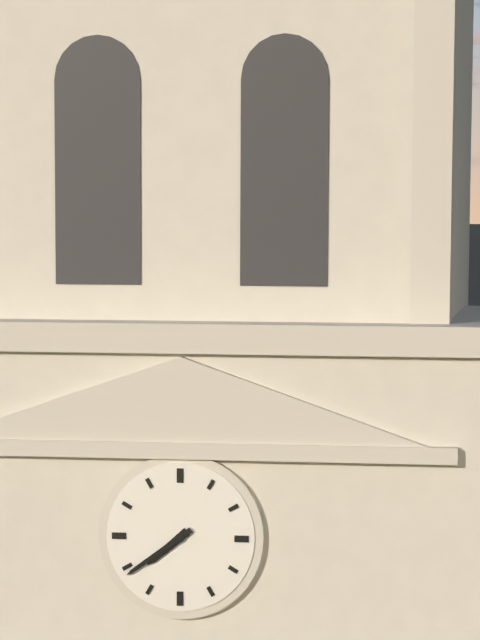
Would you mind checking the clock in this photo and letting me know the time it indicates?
7:39
